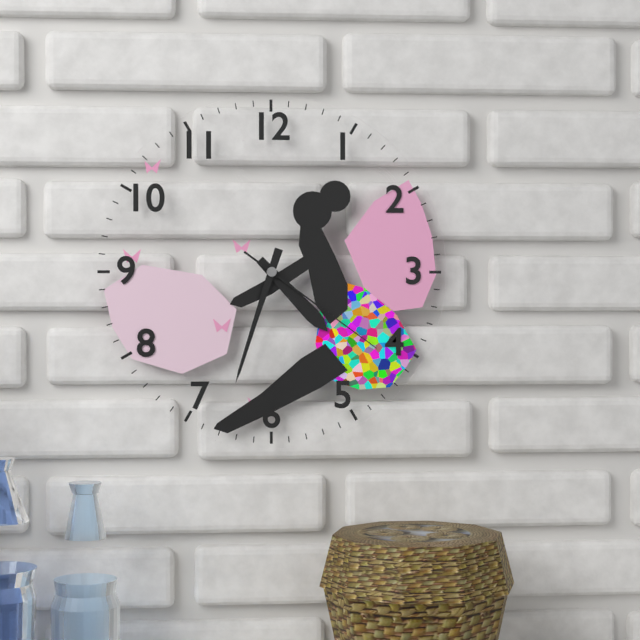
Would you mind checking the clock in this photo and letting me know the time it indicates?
4:33:21
